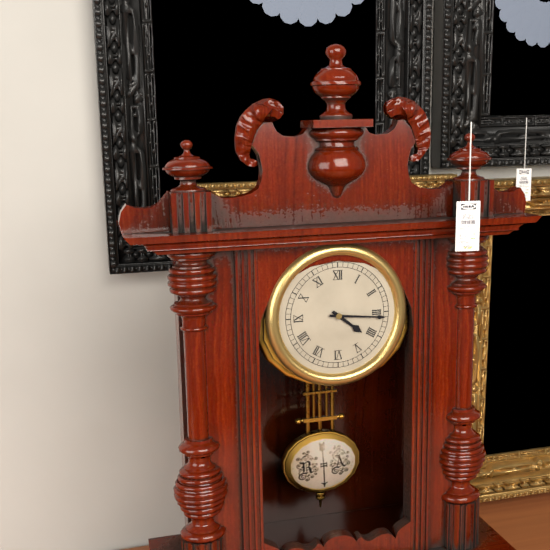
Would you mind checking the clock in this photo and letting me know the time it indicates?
4:16
